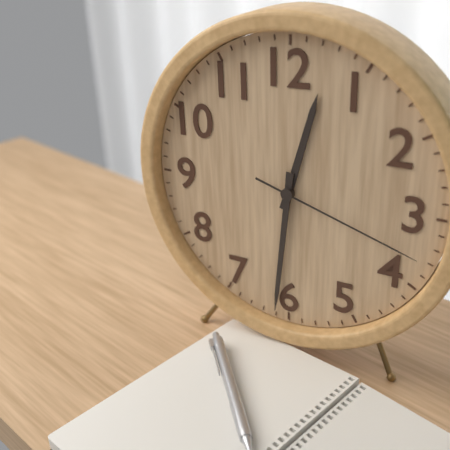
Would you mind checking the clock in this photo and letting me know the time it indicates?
12:31:18
